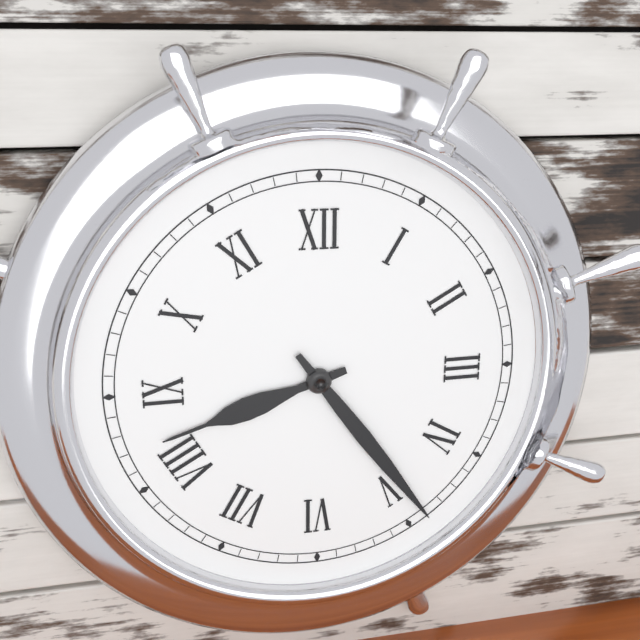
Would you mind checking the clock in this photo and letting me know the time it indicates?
8:24
